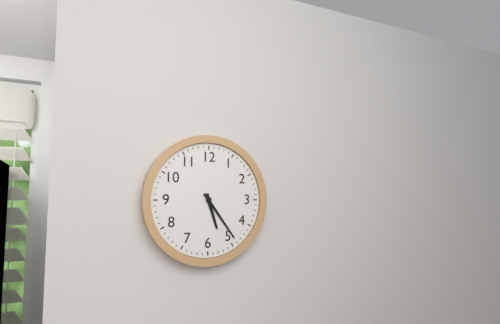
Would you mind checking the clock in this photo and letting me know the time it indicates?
5:24
